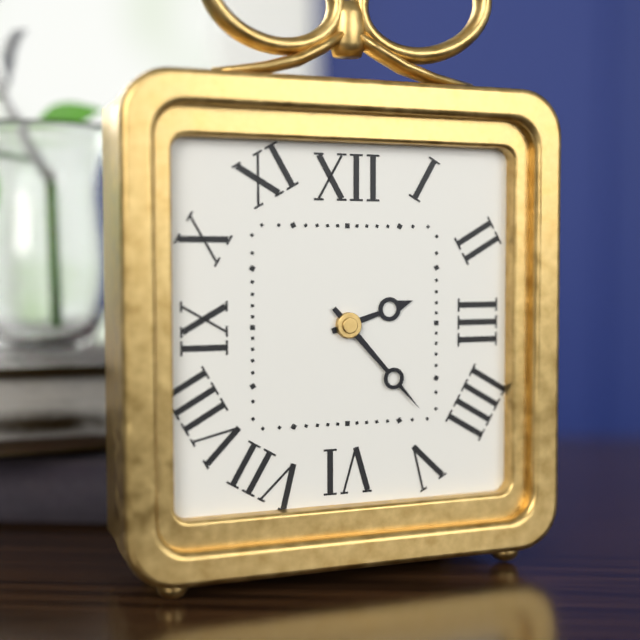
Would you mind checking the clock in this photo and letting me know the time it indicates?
2:23
